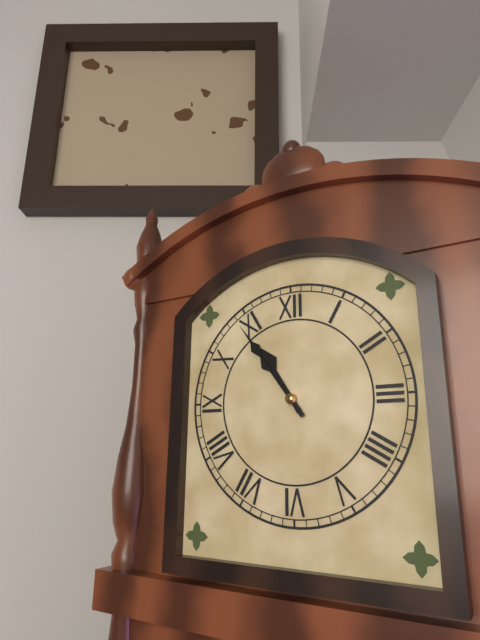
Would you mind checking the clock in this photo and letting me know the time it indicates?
10:54
